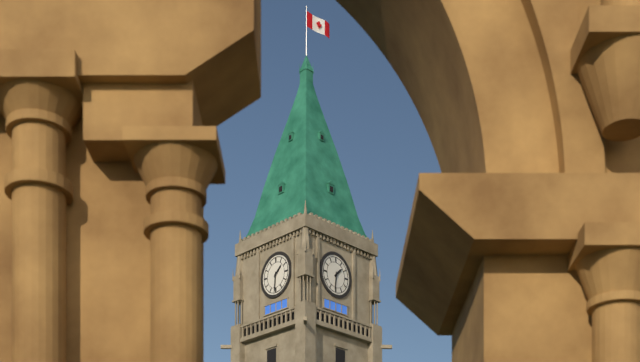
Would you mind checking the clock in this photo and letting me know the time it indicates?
1:31
